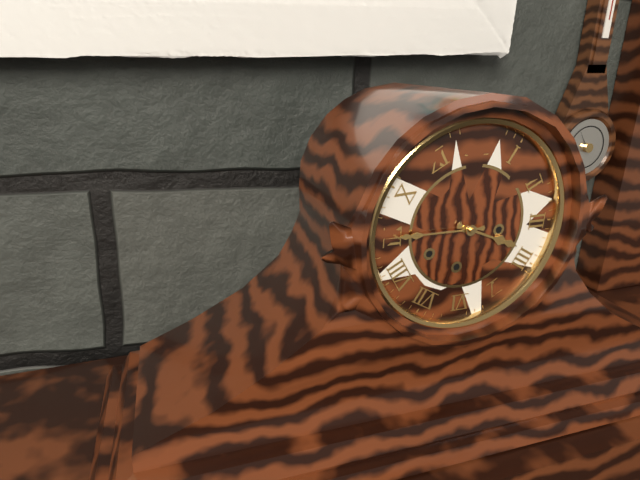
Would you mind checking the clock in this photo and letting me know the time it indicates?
3:45
